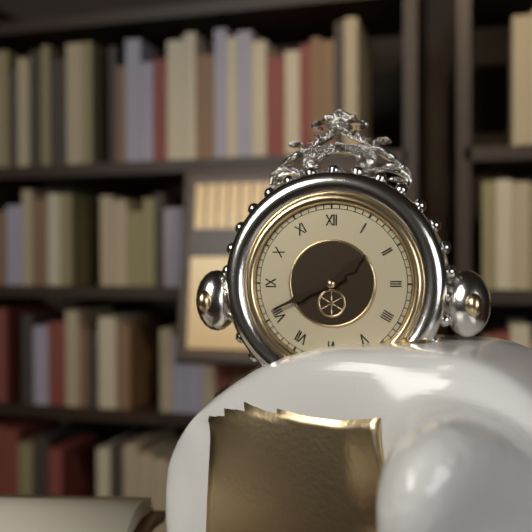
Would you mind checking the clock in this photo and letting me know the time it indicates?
1:41
